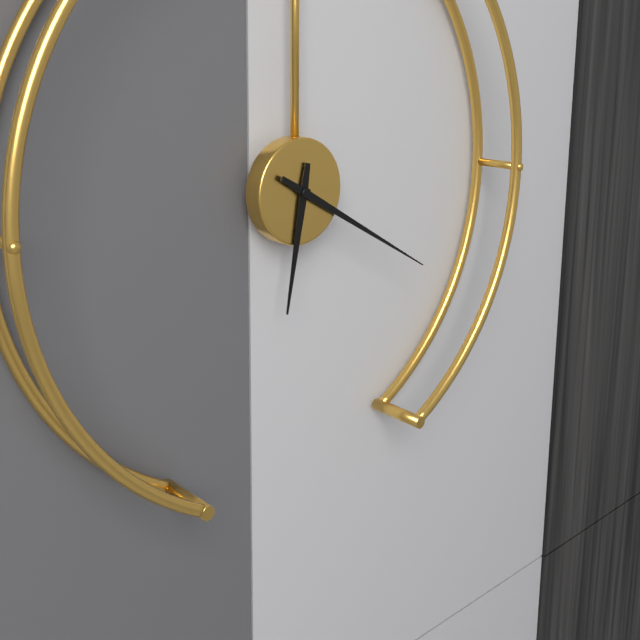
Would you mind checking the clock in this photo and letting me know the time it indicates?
6:20
